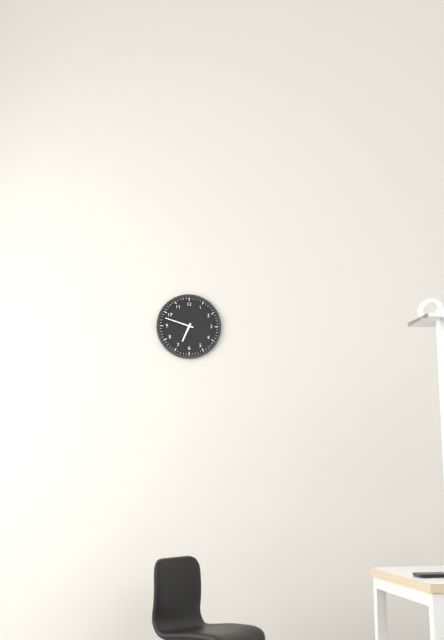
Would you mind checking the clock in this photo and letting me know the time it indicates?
6:48
